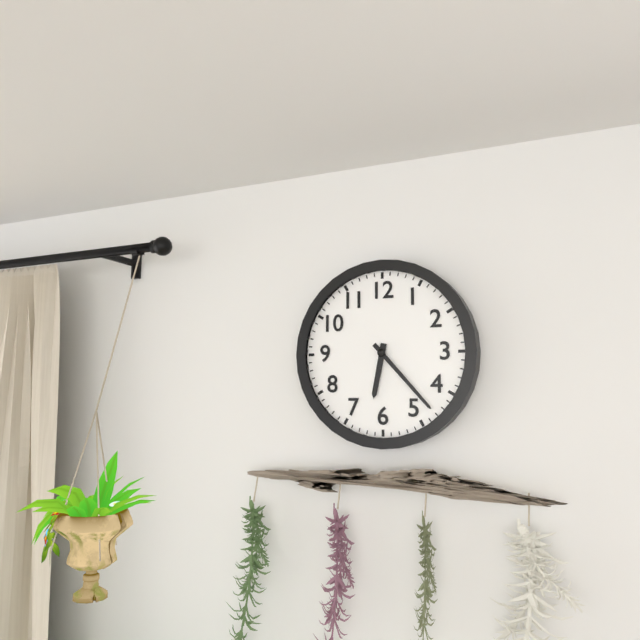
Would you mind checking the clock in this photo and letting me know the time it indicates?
6:23
